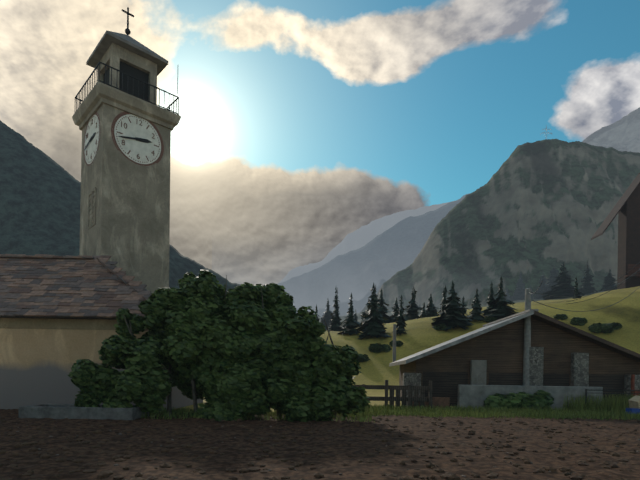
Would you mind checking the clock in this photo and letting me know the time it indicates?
2:43
